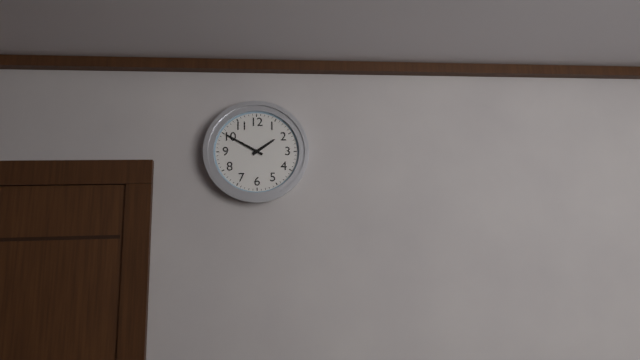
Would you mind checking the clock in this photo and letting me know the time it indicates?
1:50
